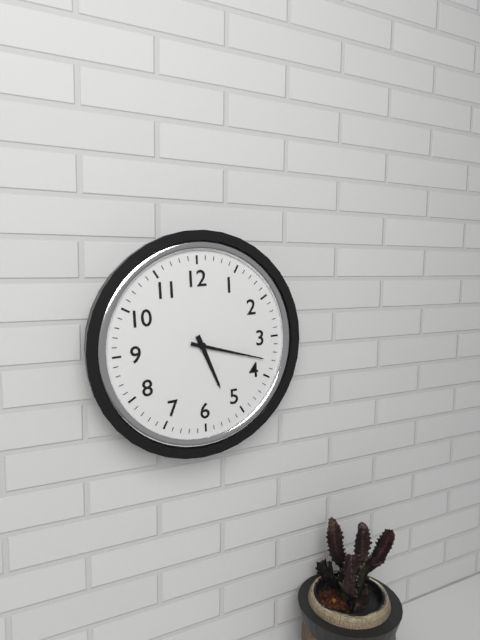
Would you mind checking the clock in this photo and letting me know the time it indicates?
5:18
